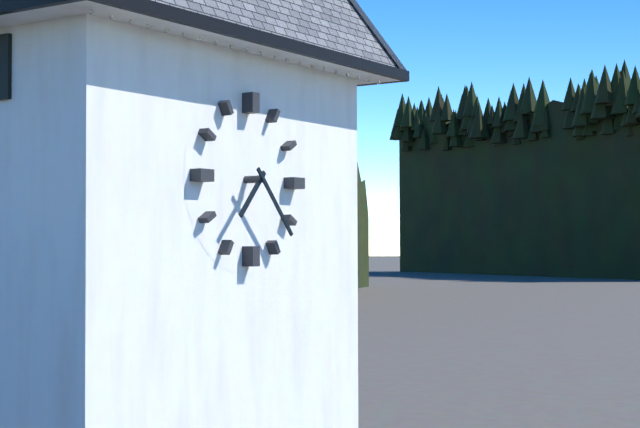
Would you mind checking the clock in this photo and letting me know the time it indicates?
7:23
